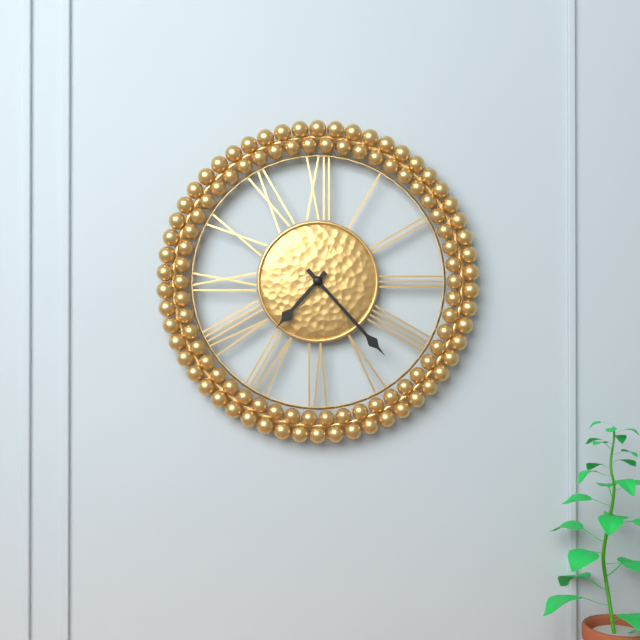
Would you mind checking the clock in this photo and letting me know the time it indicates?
7:23
